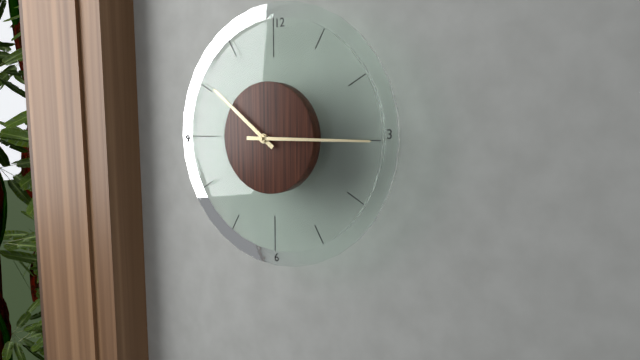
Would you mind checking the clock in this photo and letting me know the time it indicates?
10:15
